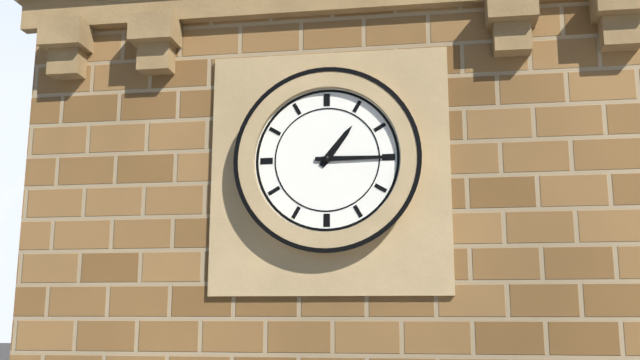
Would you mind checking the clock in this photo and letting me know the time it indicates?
1:15
